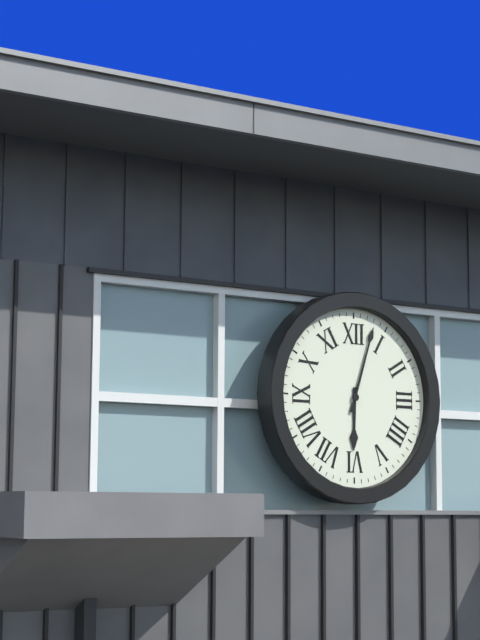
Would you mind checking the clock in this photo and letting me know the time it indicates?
6:03
